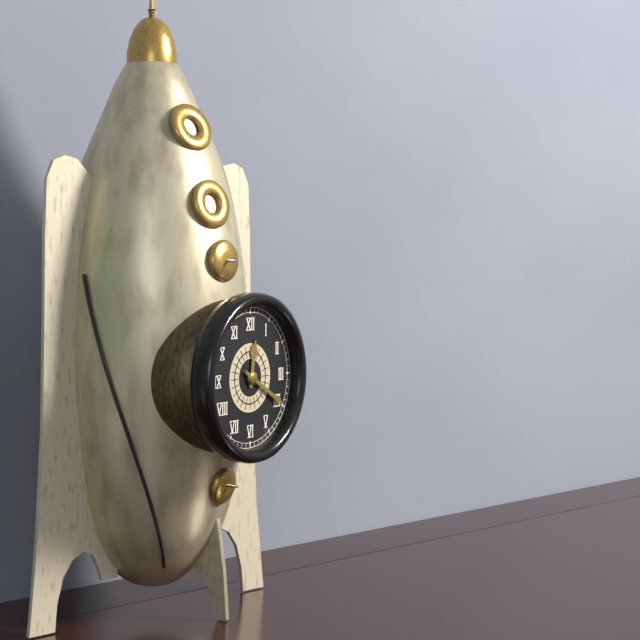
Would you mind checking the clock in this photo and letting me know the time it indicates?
12:20
